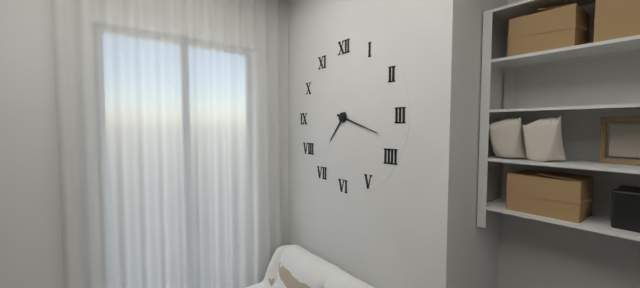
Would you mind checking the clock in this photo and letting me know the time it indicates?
7:18
